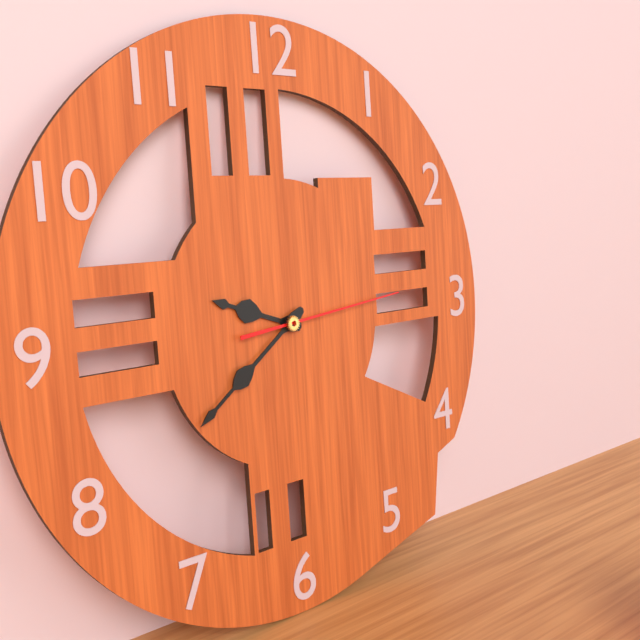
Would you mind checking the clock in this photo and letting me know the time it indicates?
9:39:14
